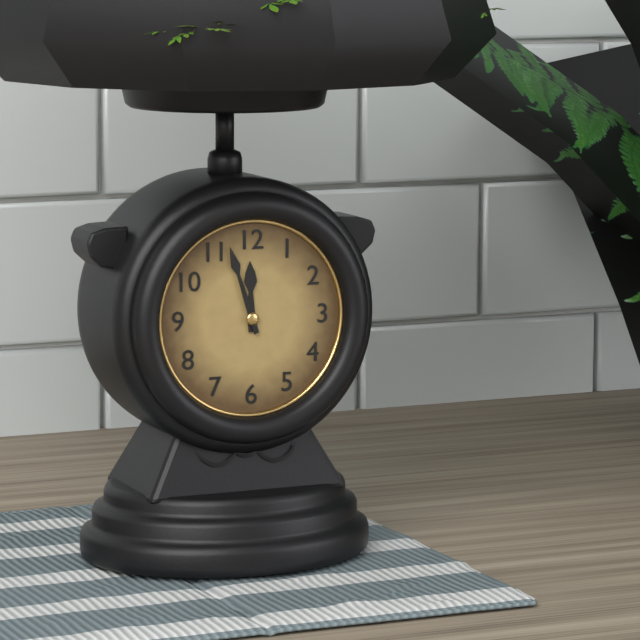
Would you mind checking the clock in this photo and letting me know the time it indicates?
11:57
